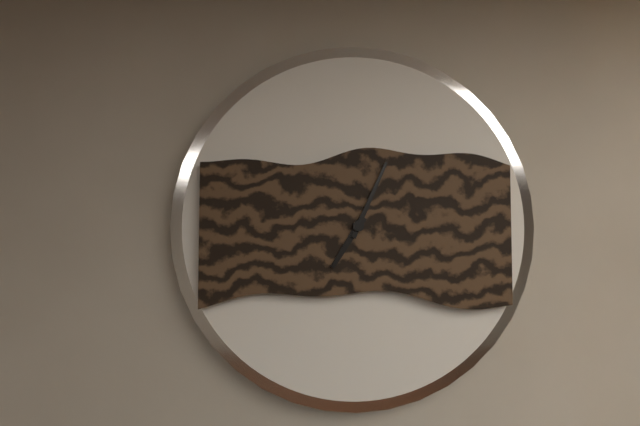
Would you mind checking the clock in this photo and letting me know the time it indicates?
7:04
